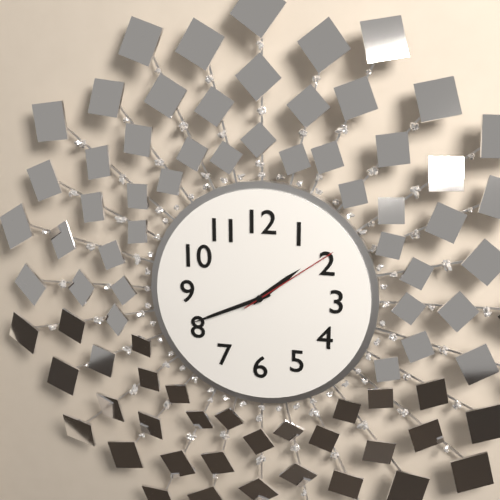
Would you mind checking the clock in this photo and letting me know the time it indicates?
1:41:09
